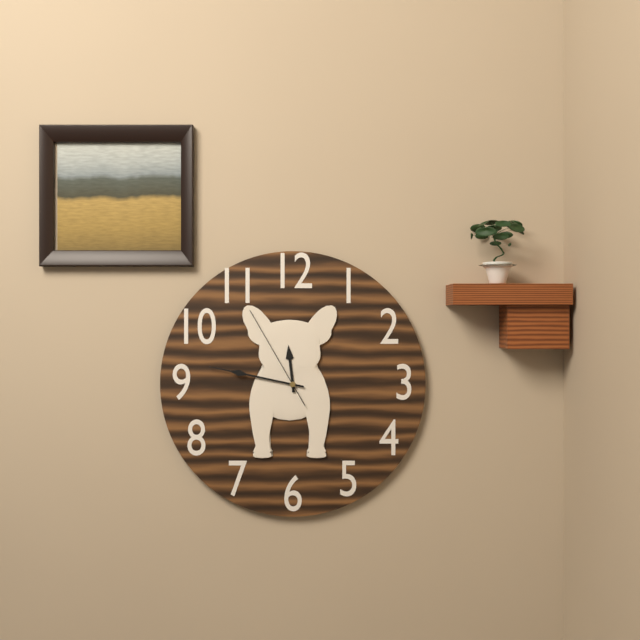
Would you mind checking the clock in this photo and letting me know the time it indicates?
11:47:55
